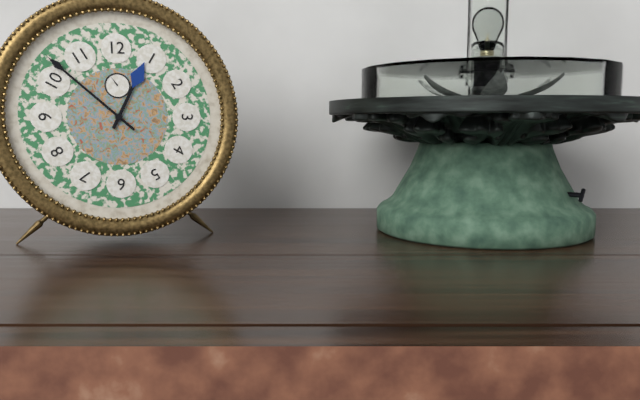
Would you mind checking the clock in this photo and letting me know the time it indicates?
12:52
